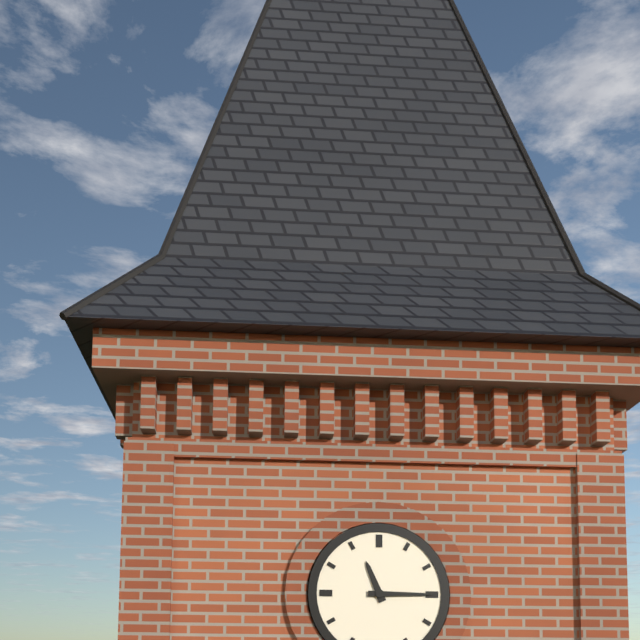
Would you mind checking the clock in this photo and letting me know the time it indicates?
11:15
